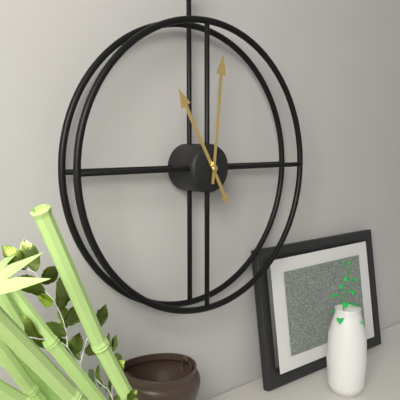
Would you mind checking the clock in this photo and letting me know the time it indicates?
11:01
